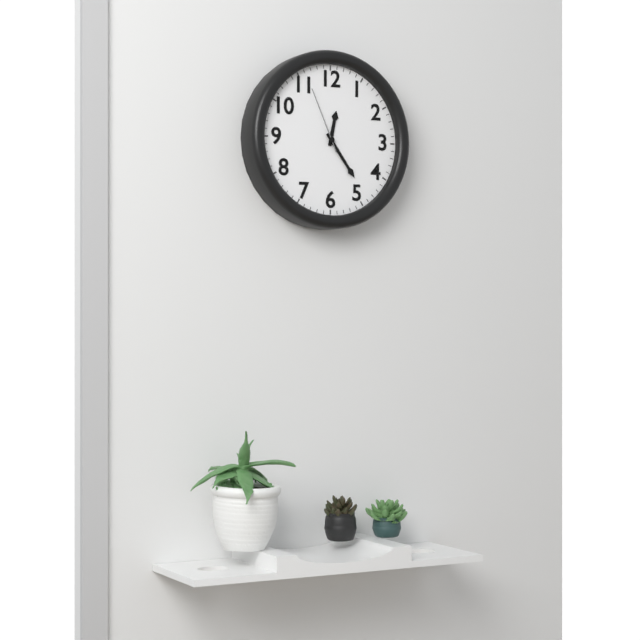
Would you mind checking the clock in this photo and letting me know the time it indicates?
12:24:56
